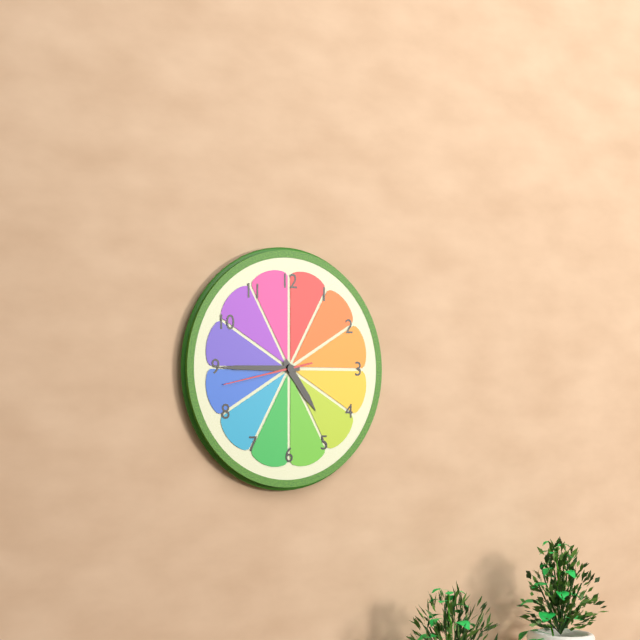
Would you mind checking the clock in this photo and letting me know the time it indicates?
4:45:43
